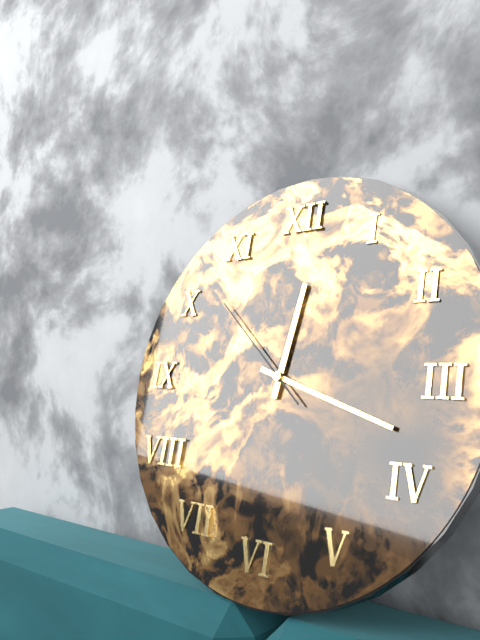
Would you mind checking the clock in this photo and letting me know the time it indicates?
12:18:52
